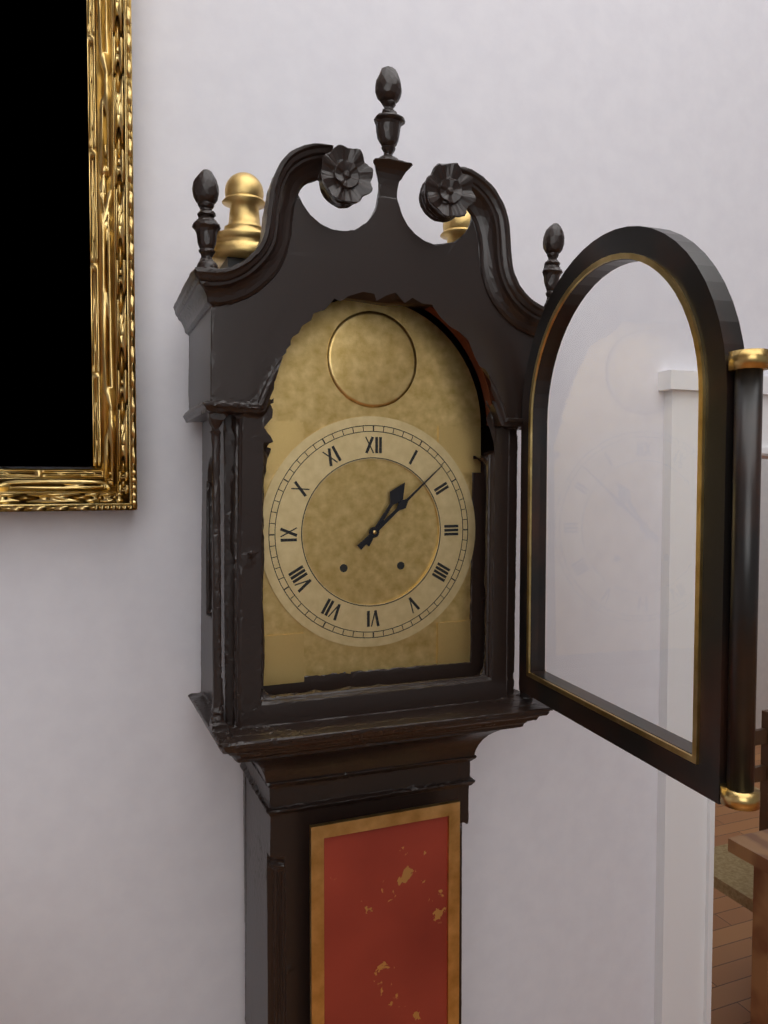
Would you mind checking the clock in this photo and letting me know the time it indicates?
1:08
